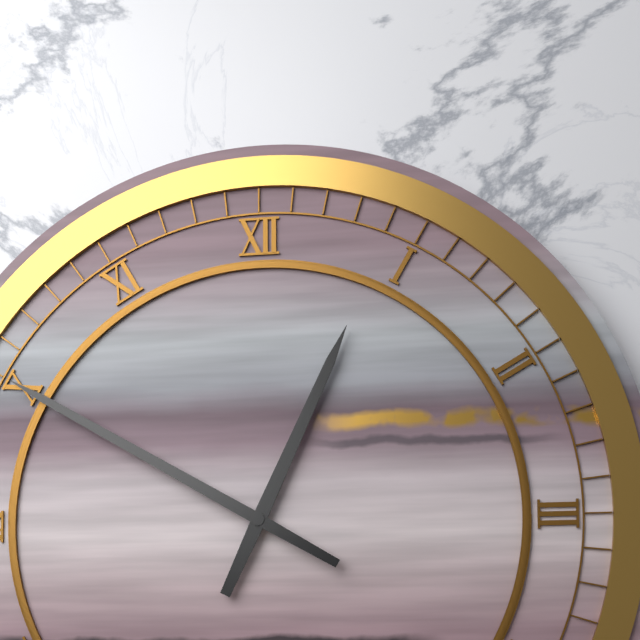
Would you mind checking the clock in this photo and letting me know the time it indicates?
12:50
